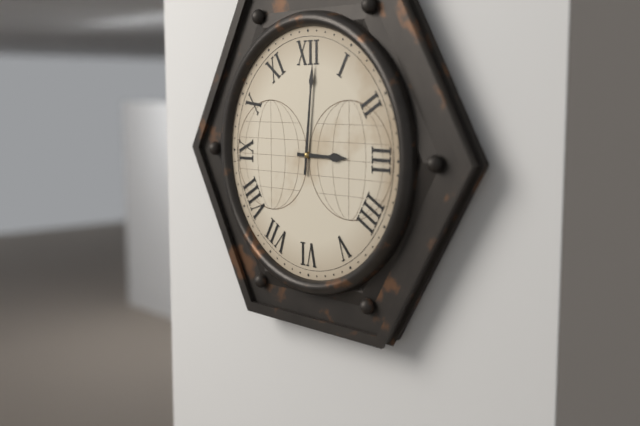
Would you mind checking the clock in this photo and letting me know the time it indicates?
3:01
